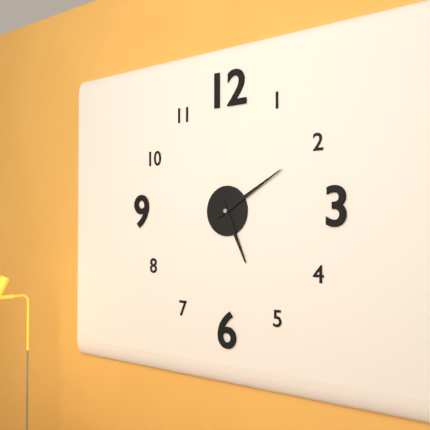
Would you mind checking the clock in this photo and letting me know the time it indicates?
5:10
